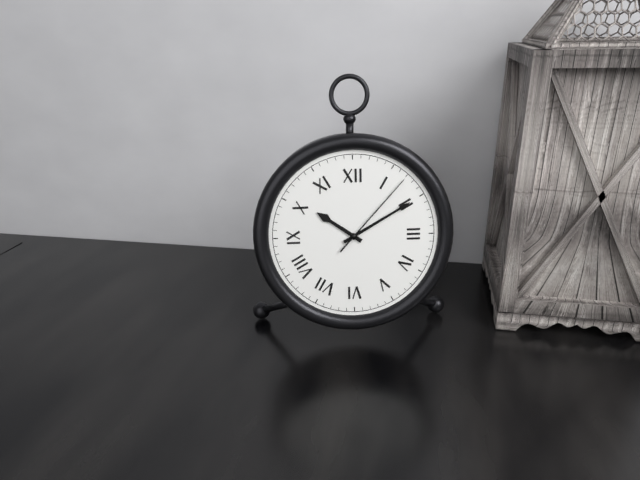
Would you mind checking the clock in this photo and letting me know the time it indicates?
10:10:07
